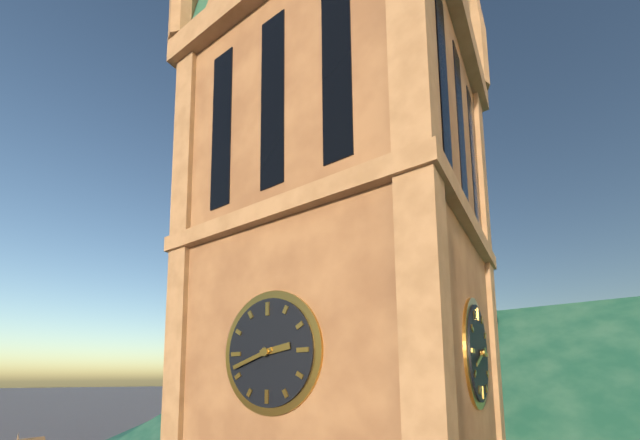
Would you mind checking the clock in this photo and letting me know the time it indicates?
2:42
